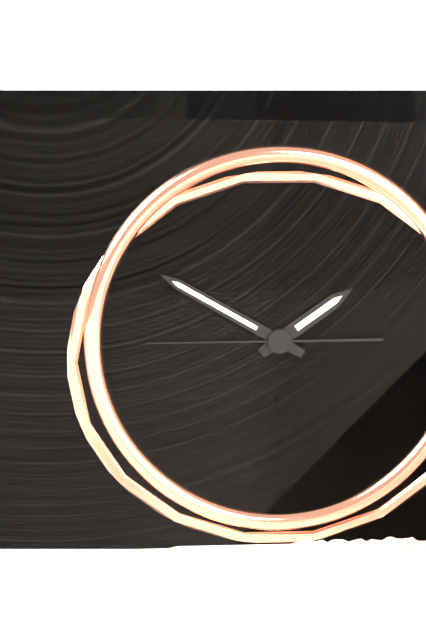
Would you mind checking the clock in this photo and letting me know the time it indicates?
1:50:45
